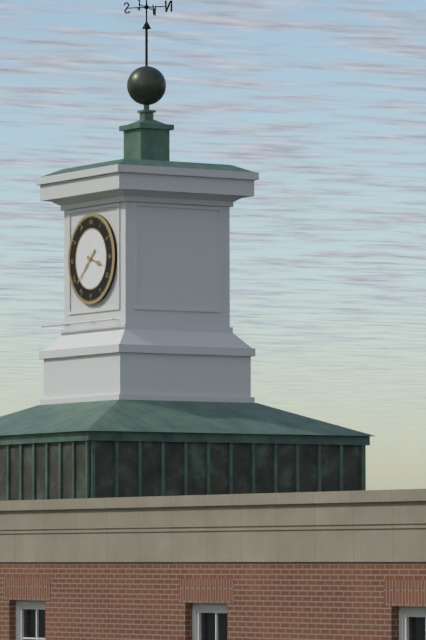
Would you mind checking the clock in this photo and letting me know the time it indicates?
3:38
